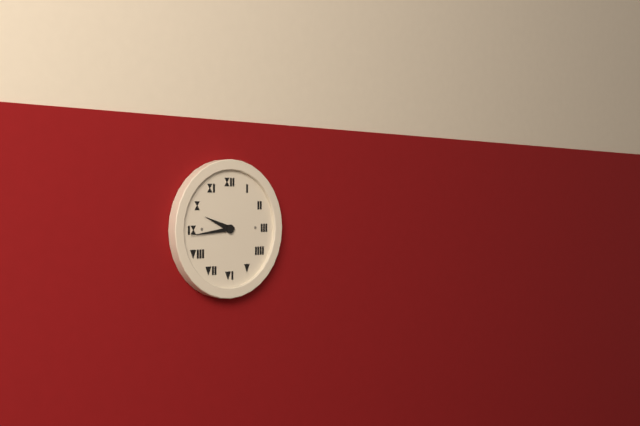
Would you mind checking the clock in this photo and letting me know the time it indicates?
9:44
